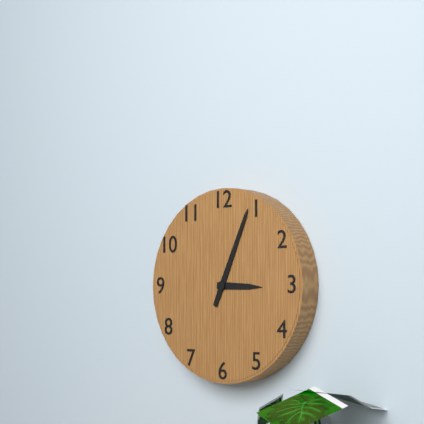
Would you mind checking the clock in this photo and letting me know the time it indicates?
3:04
